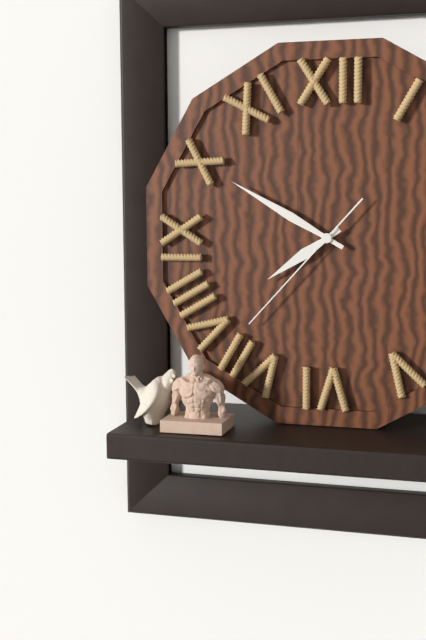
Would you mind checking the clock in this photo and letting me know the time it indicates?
7:50:37
